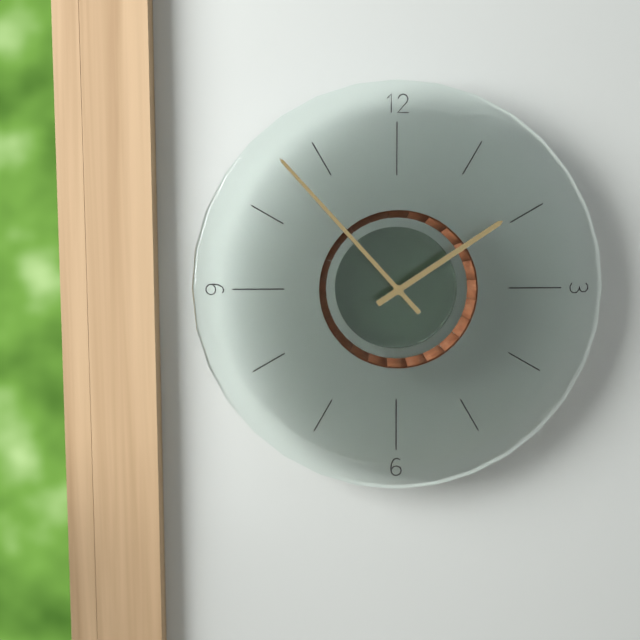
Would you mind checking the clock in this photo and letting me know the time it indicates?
1:53
